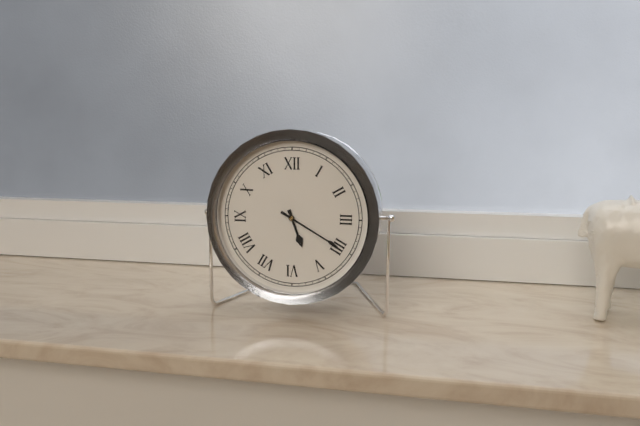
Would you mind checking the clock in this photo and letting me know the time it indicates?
5:20
